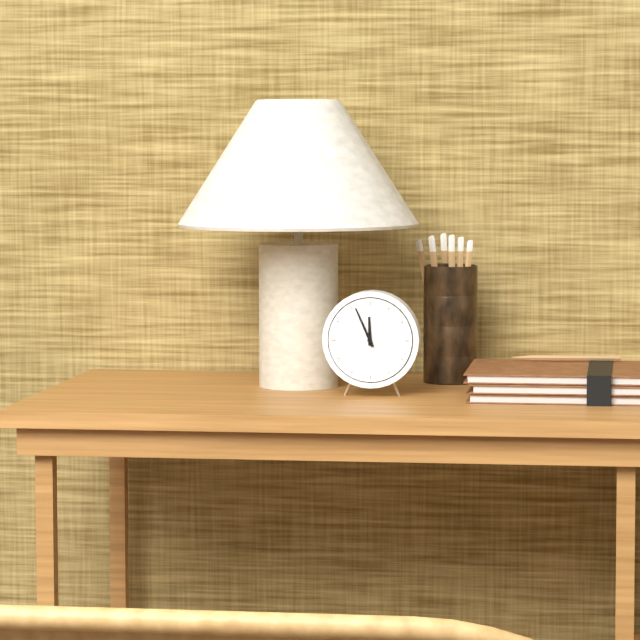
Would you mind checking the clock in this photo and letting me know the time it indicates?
11:56
